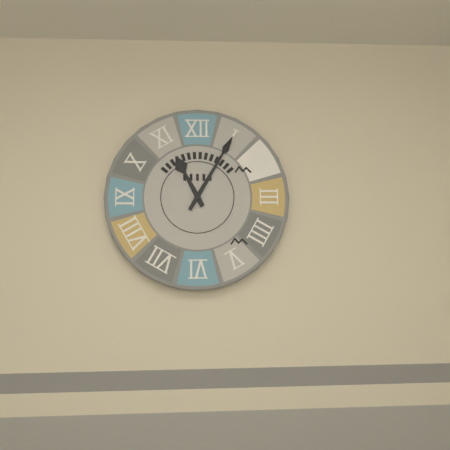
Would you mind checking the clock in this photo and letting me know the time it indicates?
11:05
